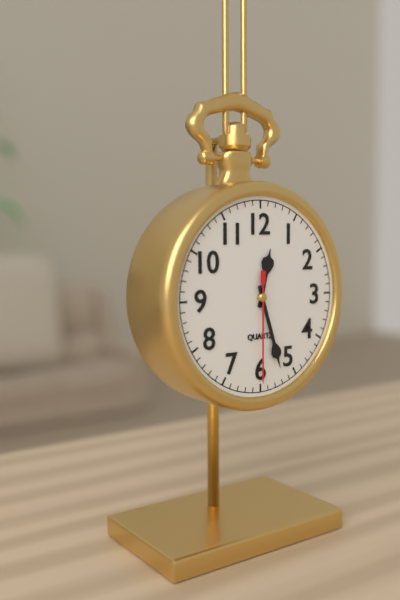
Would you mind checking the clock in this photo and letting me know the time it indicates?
12:27:30
